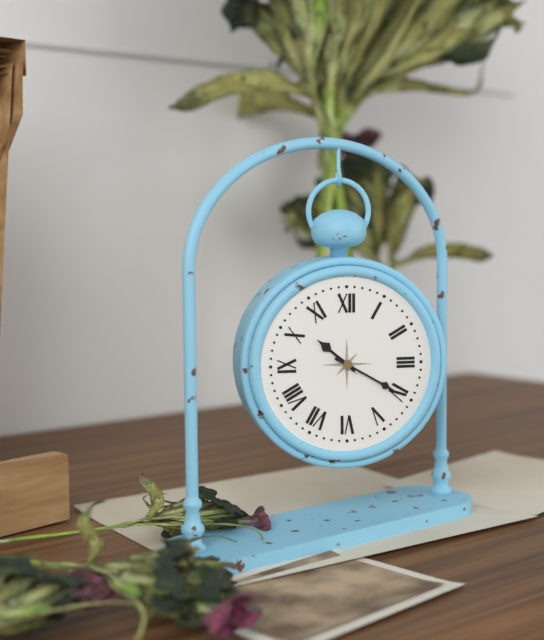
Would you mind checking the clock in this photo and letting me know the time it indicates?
10:20
